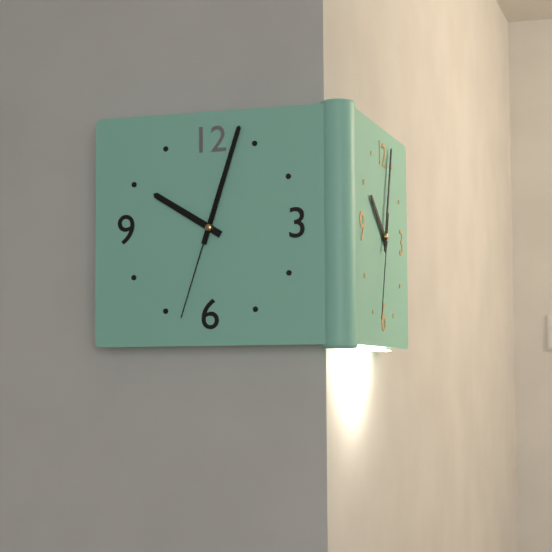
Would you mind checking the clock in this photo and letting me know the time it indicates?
10:03:33
